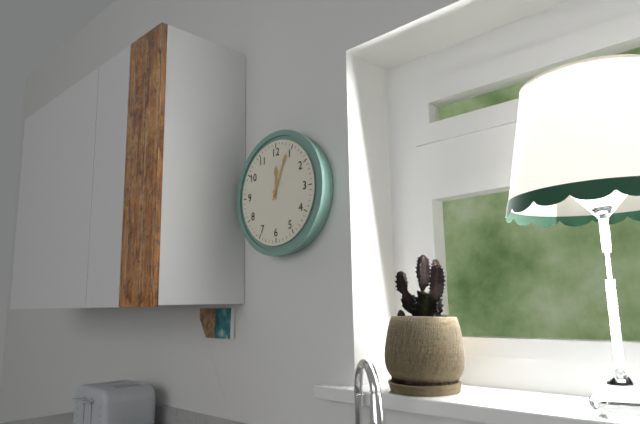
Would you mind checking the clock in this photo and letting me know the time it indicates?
12:04
